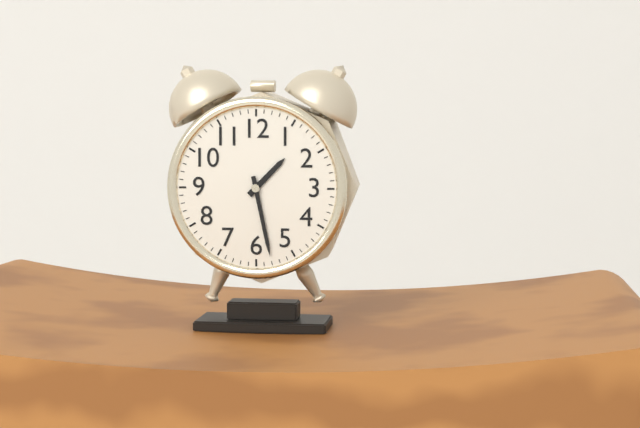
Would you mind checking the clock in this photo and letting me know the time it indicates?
1:28
